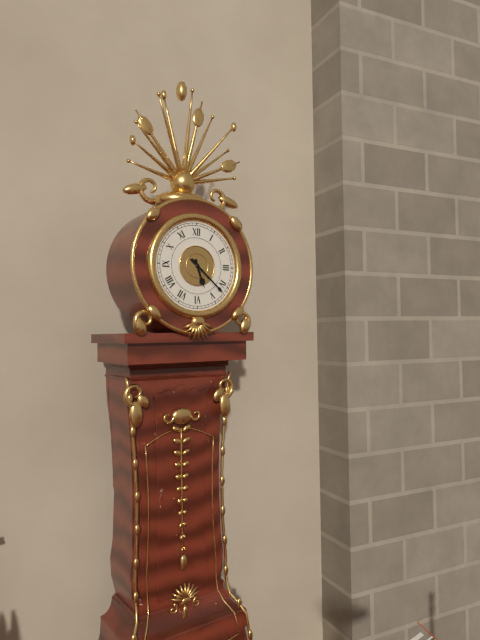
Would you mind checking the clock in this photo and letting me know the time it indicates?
5:22
